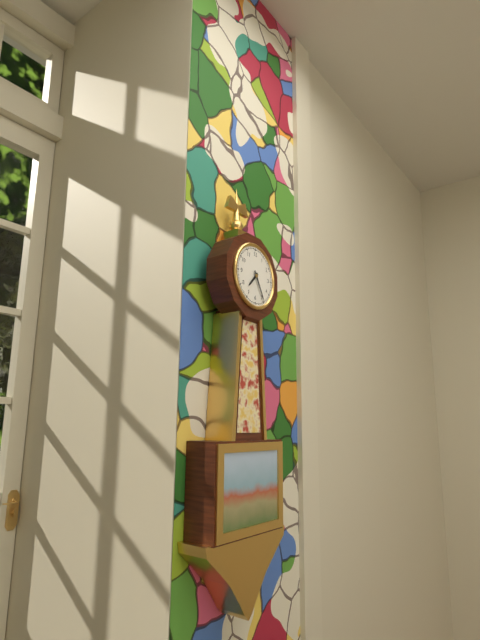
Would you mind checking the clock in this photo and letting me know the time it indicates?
7:25
